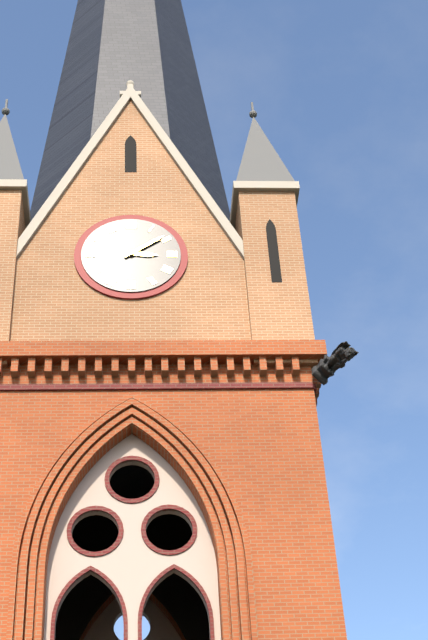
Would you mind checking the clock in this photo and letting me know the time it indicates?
3:09
